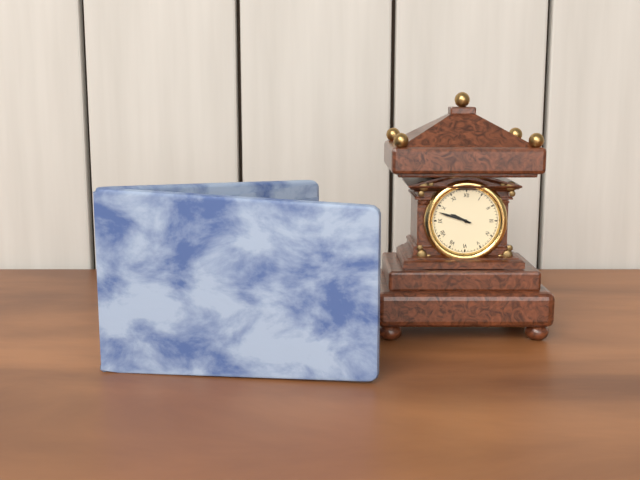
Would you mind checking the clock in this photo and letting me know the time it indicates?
9:48
